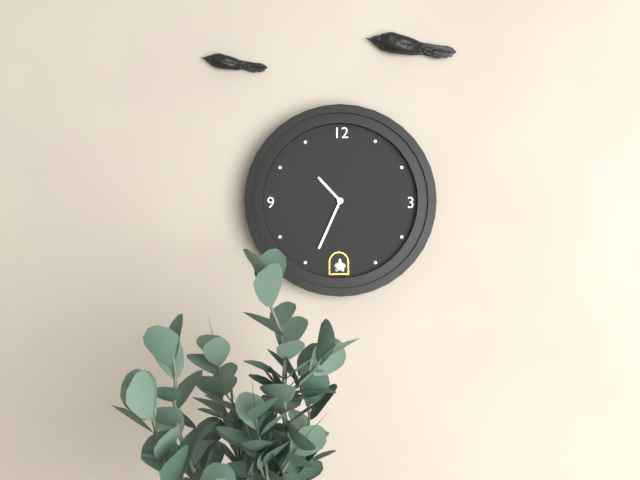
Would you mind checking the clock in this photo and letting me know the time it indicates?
10:34
